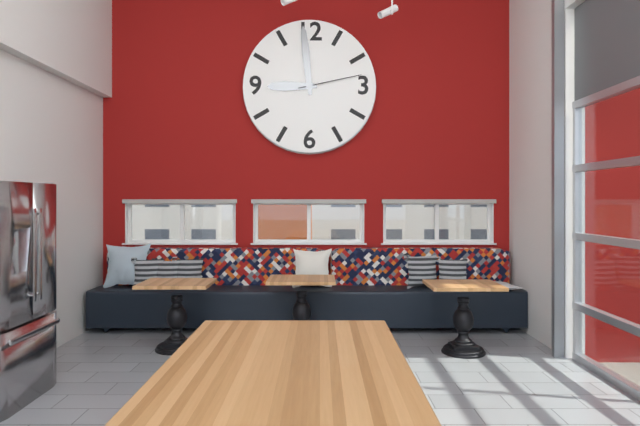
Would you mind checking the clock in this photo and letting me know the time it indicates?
8:59:13
